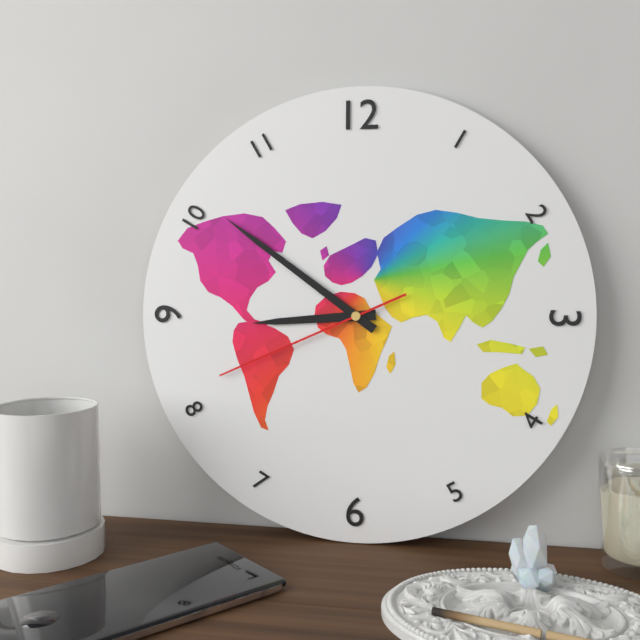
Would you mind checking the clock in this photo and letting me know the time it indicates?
8:51:41
